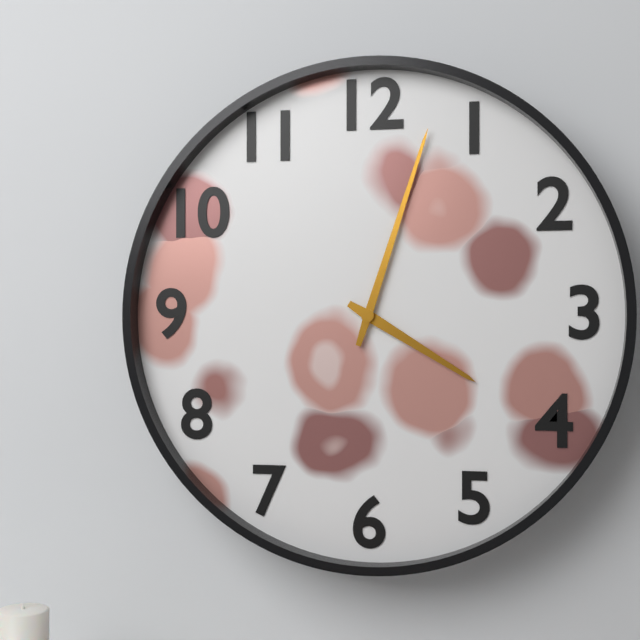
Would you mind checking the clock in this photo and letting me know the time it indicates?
4:03
